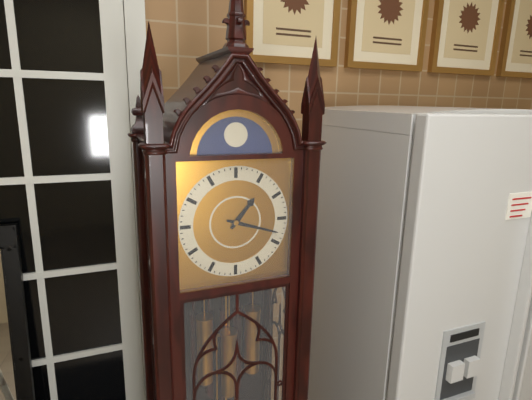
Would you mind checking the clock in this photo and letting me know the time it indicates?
1:18
